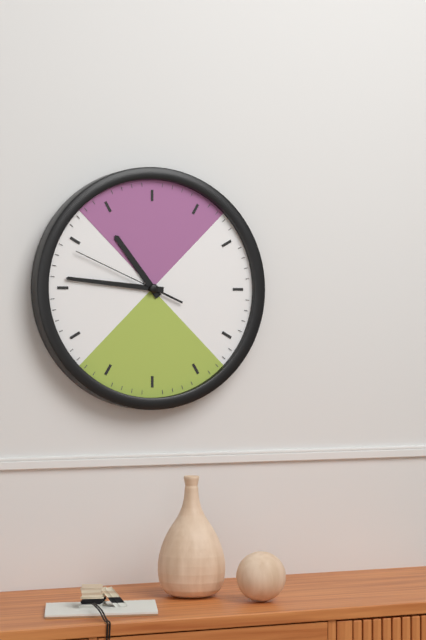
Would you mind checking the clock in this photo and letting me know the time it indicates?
10:46:49
